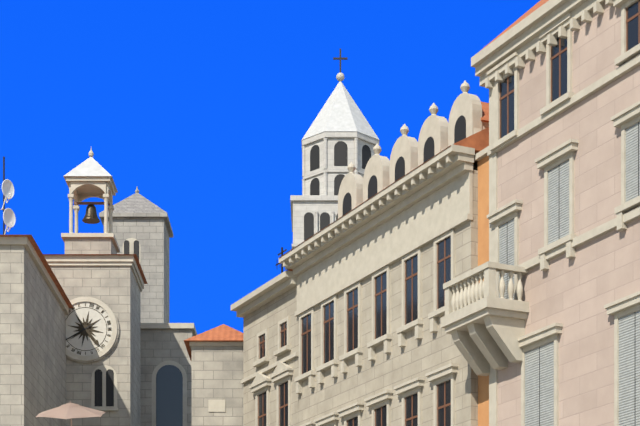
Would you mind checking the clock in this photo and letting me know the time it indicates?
4:40
